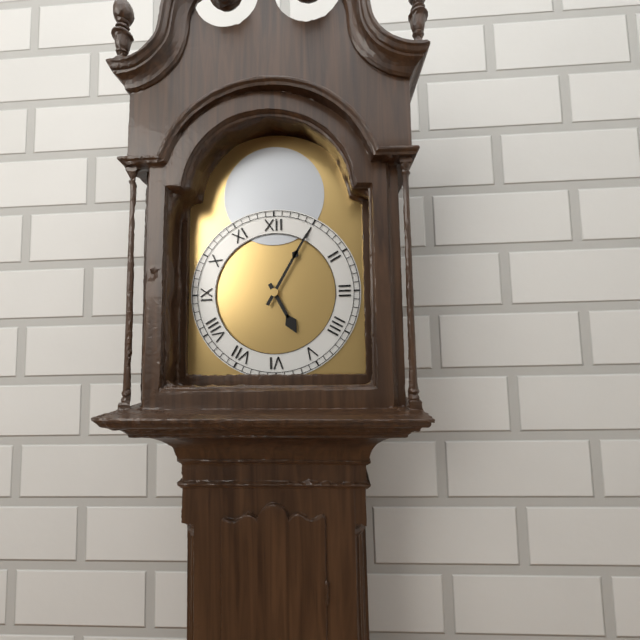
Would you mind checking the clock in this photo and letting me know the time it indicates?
5:05
